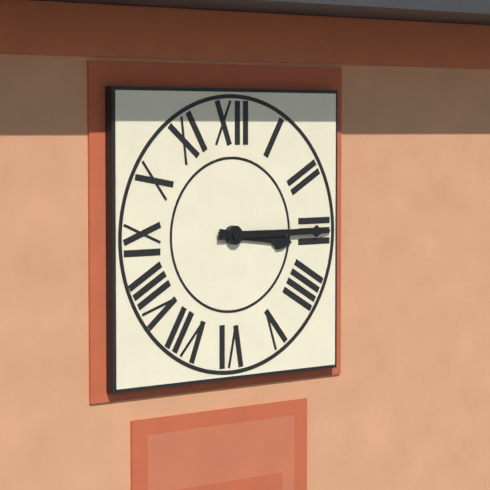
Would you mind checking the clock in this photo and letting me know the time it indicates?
3:15
